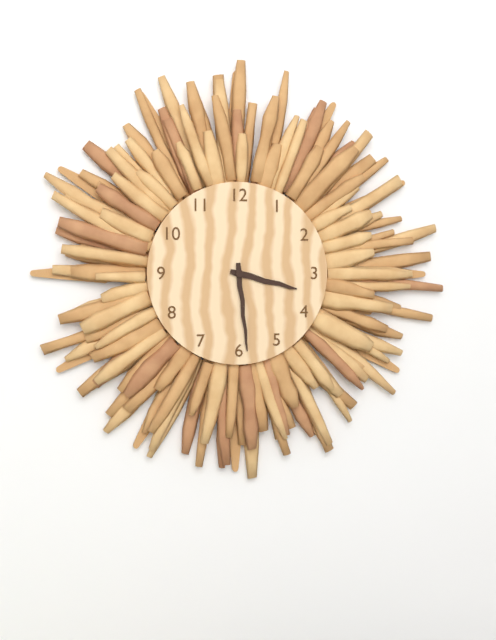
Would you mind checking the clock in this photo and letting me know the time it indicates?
3:29
